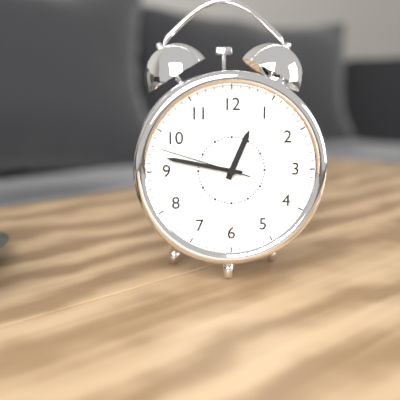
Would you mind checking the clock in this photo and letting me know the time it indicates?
12:47:48
